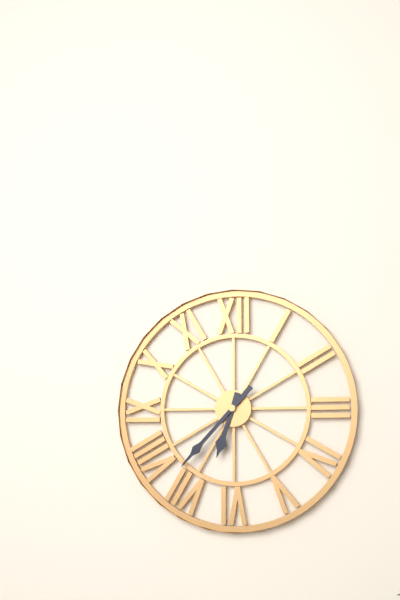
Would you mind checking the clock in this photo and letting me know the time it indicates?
6:37
